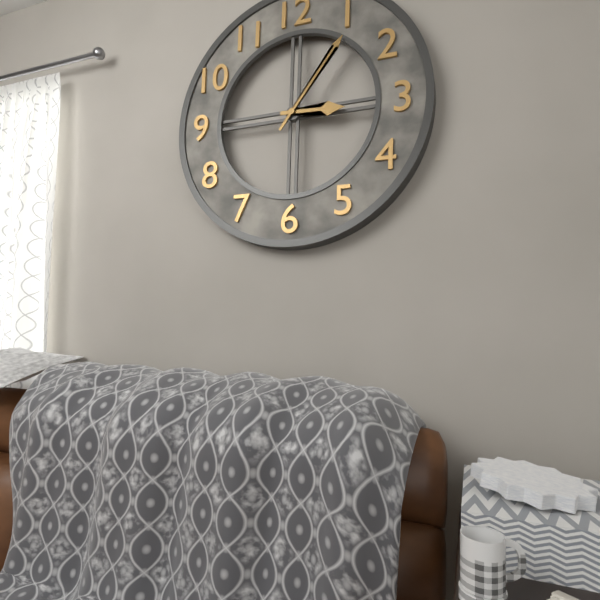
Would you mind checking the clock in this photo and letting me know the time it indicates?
3:06
